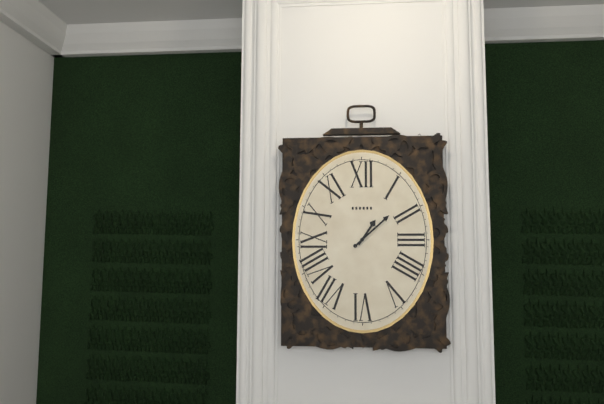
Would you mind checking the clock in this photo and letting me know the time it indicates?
1:08
